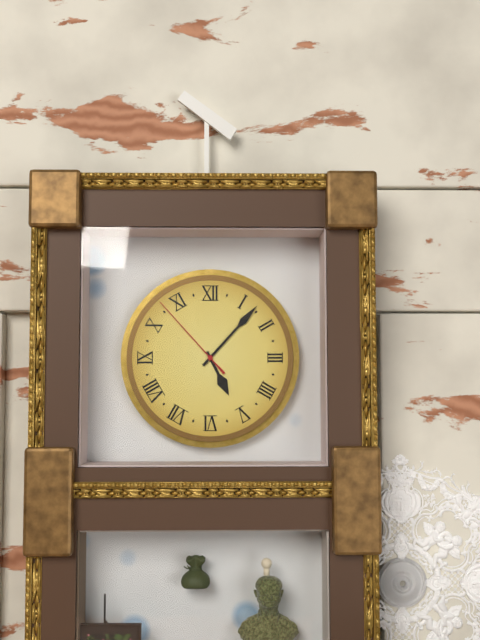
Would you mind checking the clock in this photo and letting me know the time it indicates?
5:07:53
